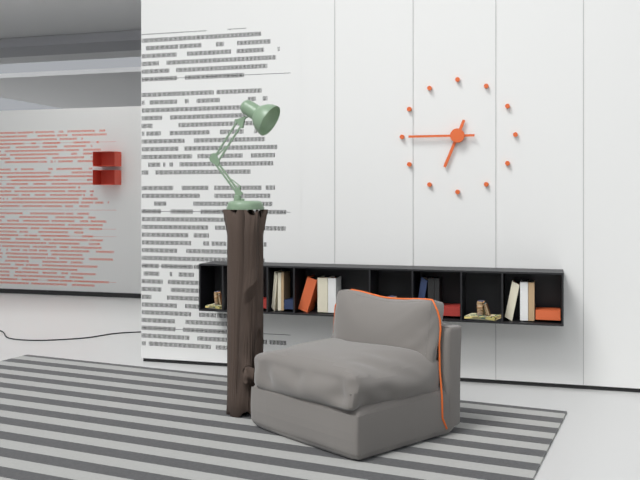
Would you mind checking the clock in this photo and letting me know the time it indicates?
6:45
